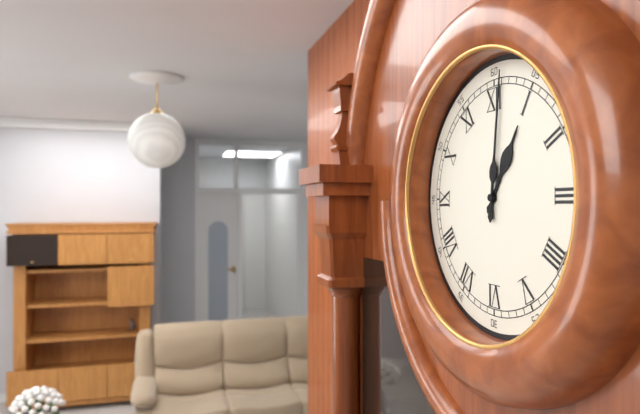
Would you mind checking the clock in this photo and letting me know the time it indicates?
1:01
